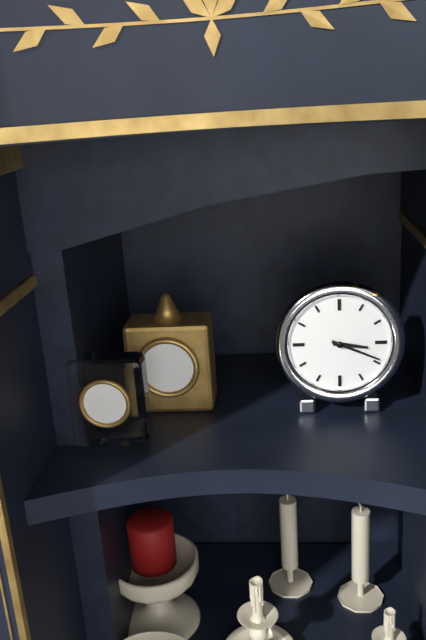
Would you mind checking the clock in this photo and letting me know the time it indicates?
3:19
